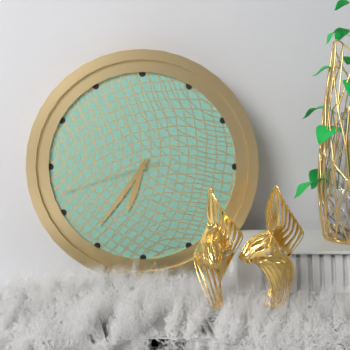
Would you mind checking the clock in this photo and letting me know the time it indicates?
6:36:42
